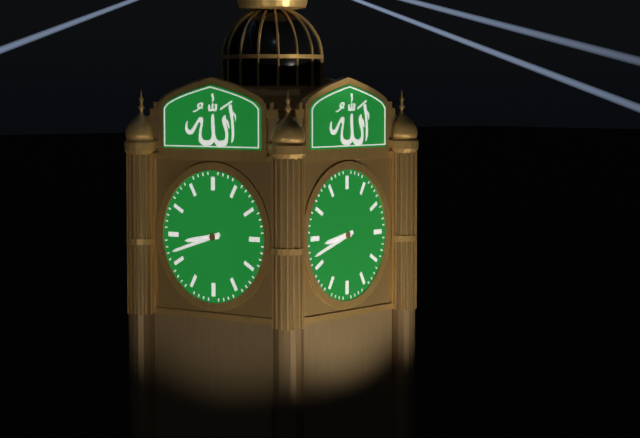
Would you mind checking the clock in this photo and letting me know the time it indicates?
8:42
